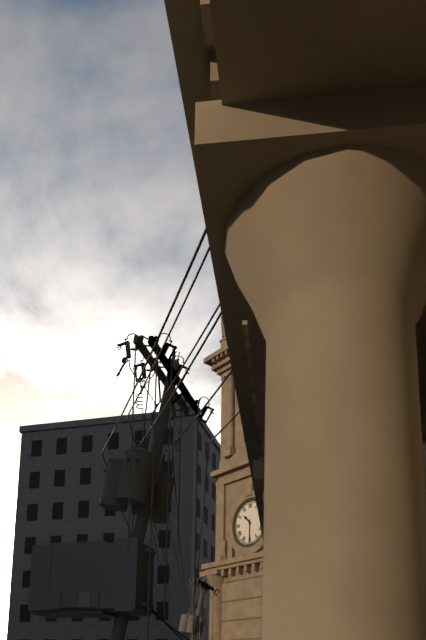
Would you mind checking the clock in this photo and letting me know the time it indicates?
10:30
